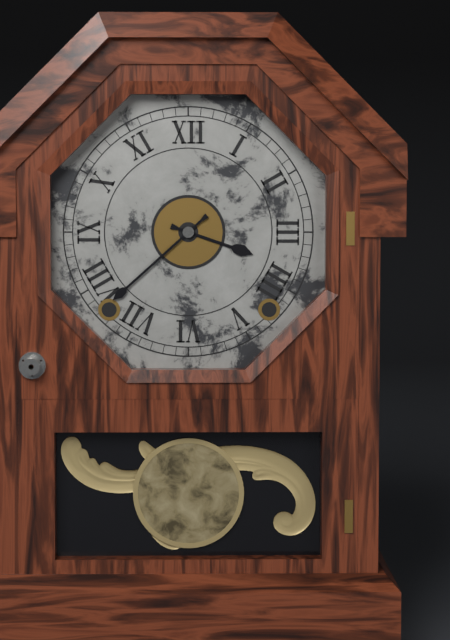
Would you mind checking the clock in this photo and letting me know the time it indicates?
3:38
